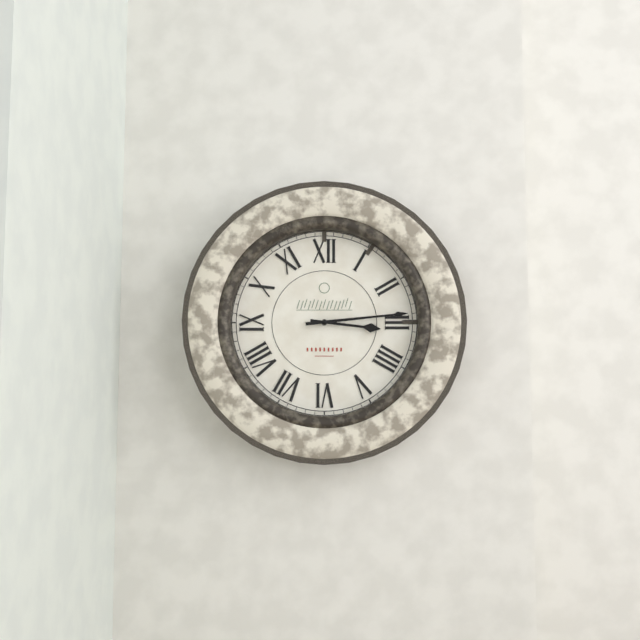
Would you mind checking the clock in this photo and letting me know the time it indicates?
3:14
